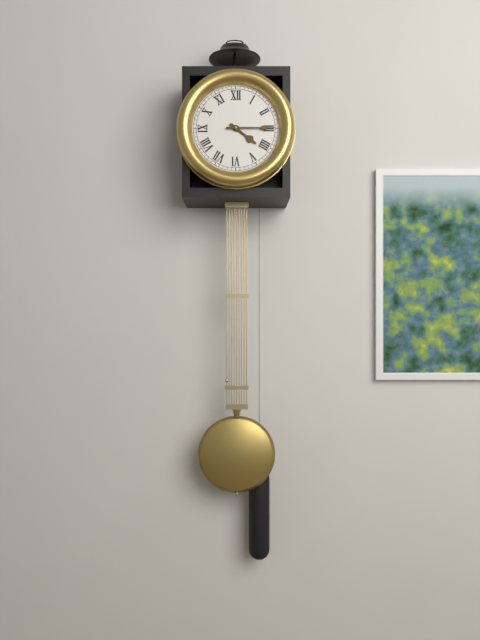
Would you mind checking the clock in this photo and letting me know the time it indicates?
4:15
